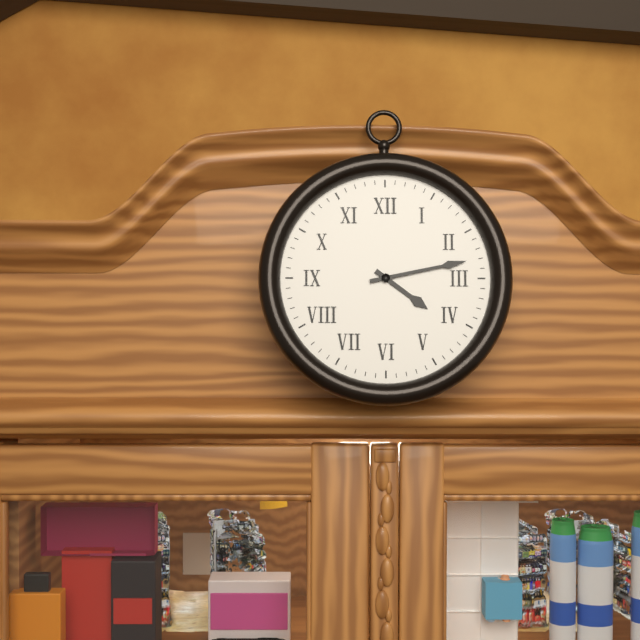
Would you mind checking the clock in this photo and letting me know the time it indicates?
4:13
